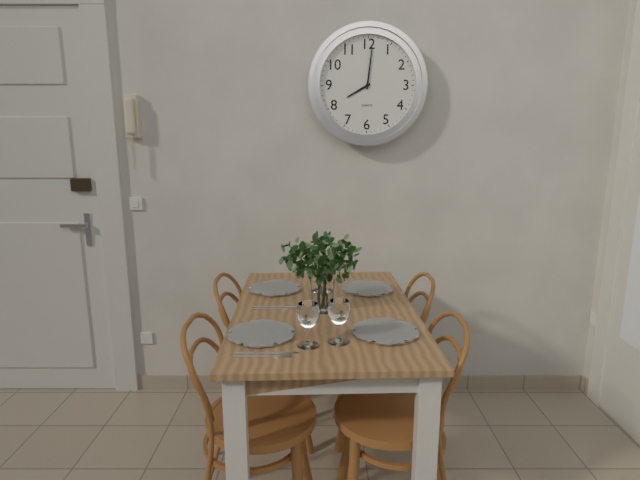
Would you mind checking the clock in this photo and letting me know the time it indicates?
8:01
